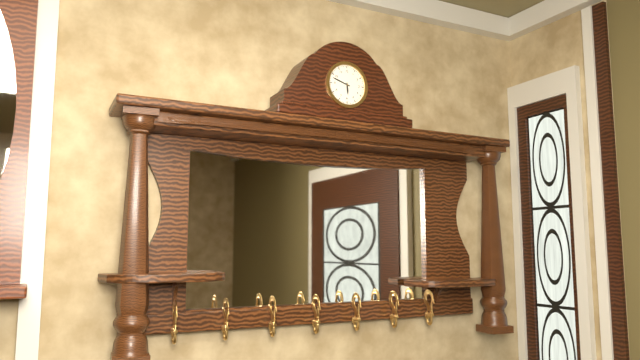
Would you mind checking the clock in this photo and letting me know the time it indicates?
5:48
